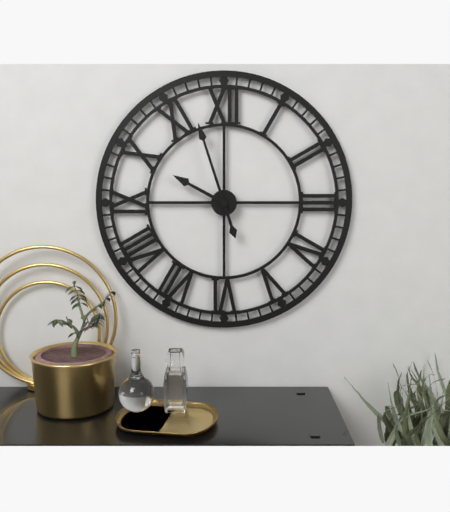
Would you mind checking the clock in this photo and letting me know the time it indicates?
9:57
